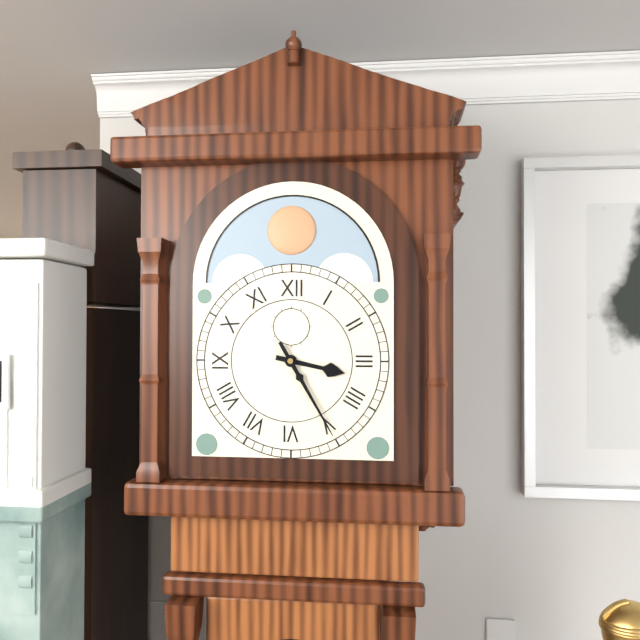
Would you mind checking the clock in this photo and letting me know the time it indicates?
3:25
